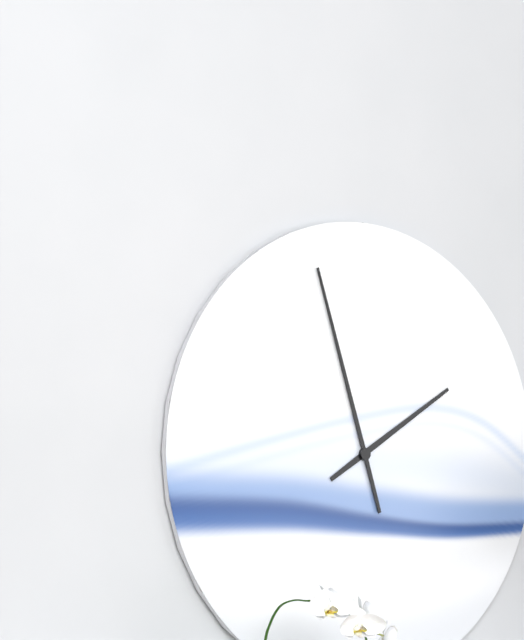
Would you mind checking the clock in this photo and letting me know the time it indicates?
1:57
